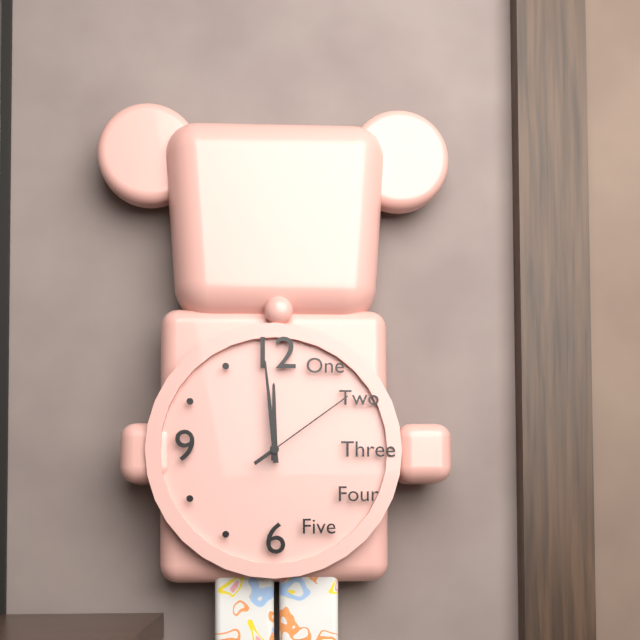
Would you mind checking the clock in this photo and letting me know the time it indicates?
11:59:09
